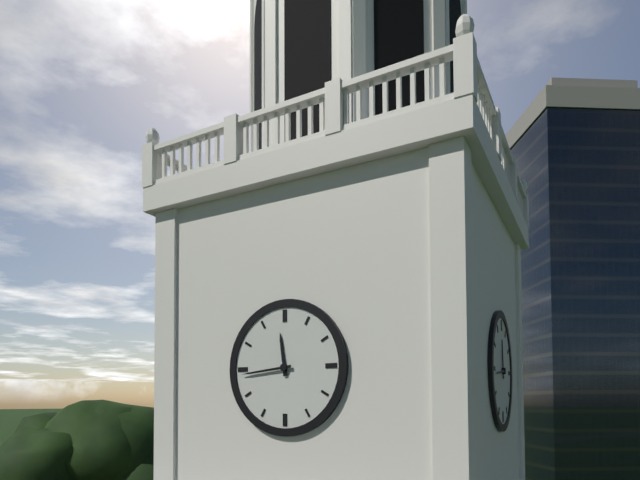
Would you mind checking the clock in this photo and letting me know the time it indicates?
11:44
